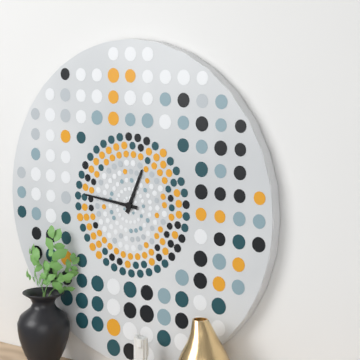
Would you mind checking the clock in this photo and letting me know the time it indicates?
12:46
